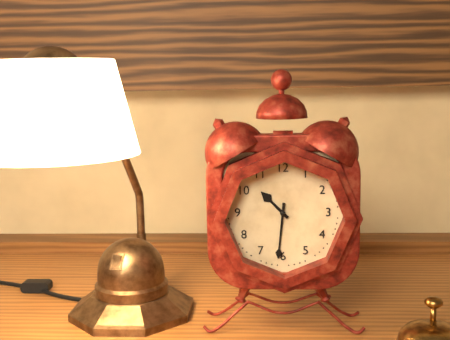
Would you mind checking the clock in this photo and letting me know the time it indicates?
10:31
